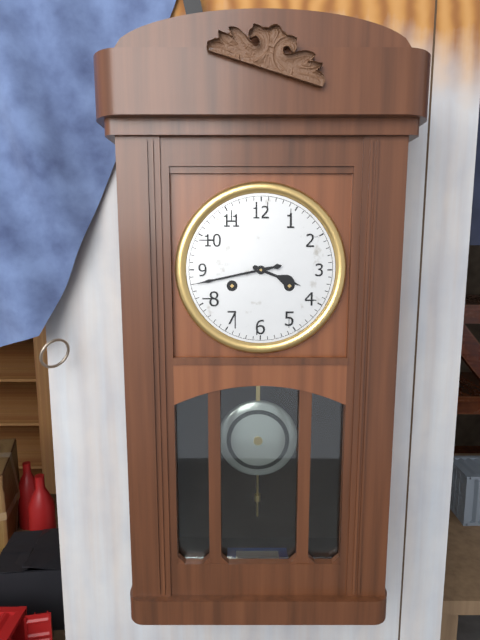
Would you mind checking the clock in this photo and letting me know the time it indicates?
3:43
